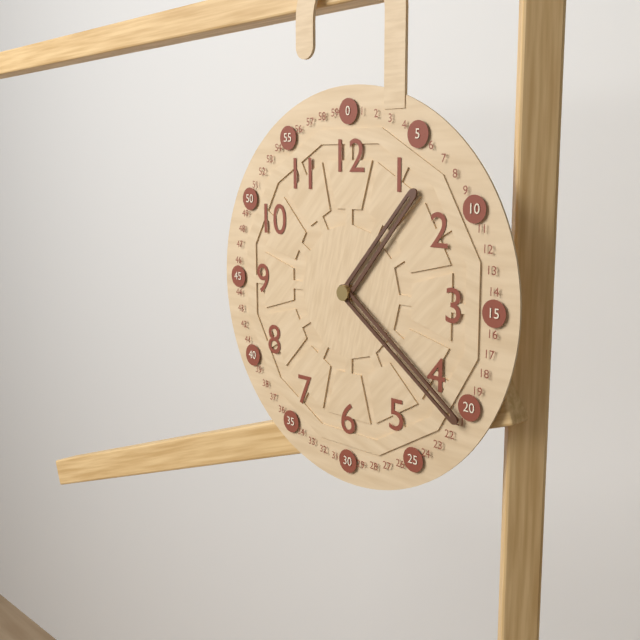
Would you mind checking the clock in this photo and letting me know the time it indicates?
1:21
